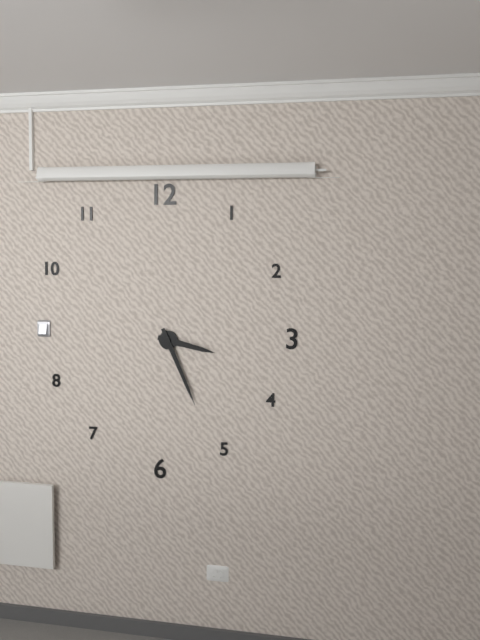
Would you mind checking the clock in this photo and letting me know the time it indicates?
3:26
